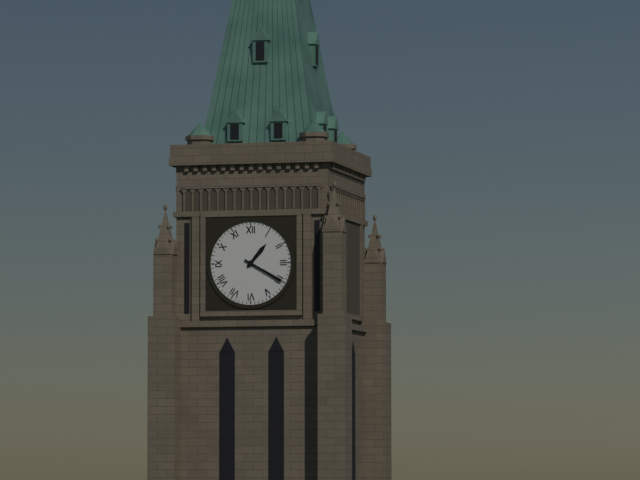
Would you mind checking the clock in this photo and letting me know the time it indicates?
1:20
